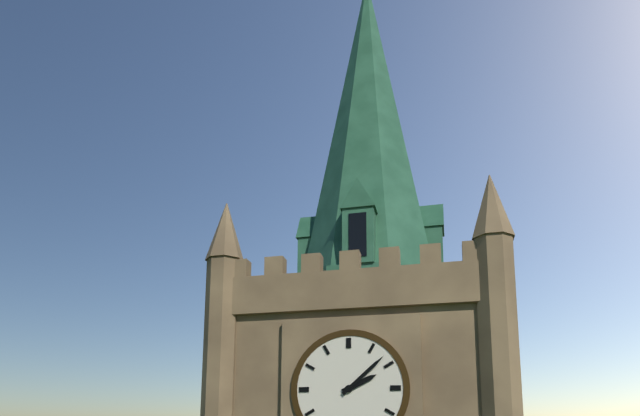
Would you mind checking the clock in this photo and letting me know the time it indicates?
2:08
